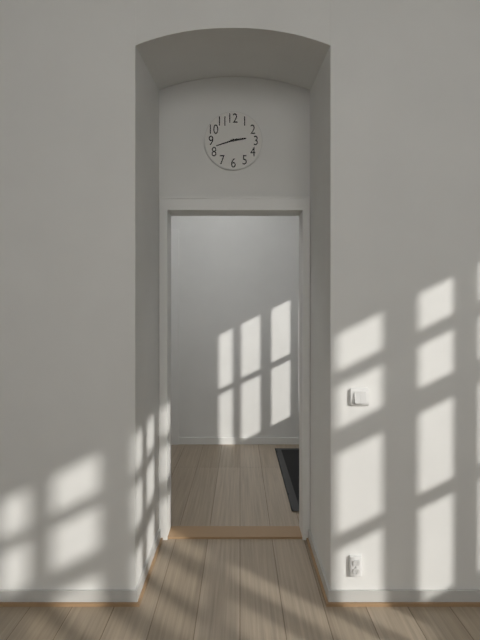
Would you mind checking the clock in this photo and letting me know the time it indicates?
2:42
